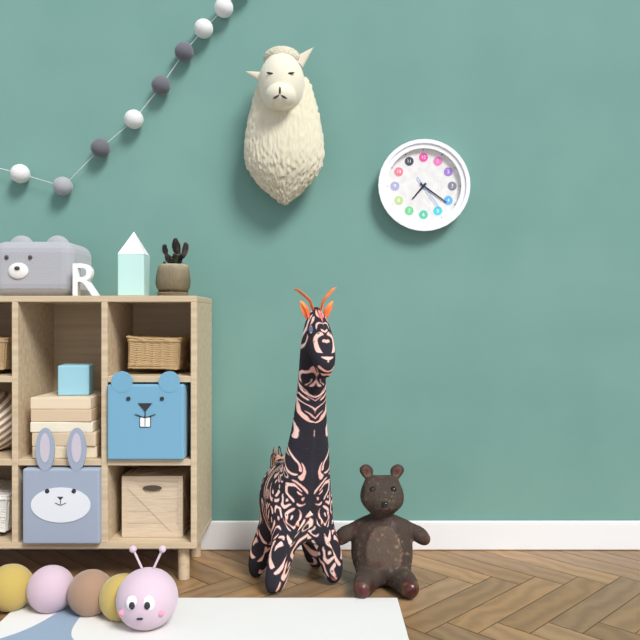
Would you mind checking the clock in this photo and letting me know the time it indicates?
7:21
